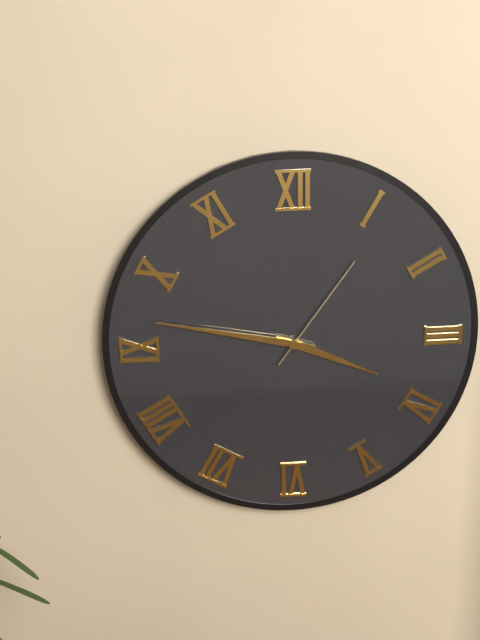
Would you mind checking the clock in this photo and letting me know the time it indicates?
3:47:06
